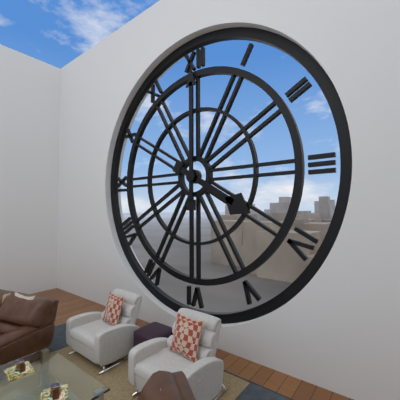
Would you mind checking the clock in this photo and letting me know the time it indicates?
4:00
